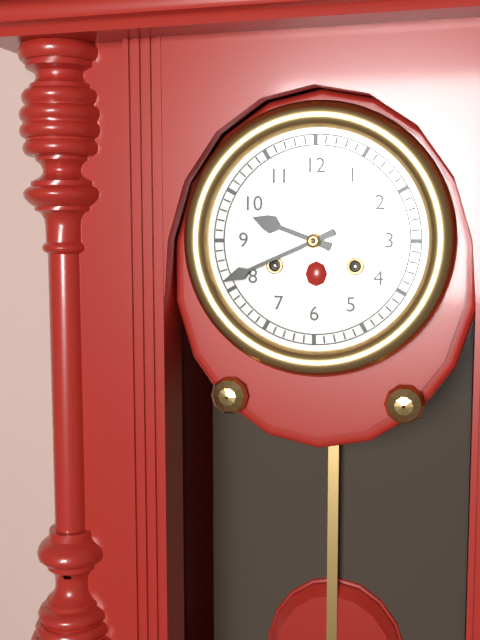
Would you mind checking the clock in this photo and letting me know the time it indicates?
9:41
